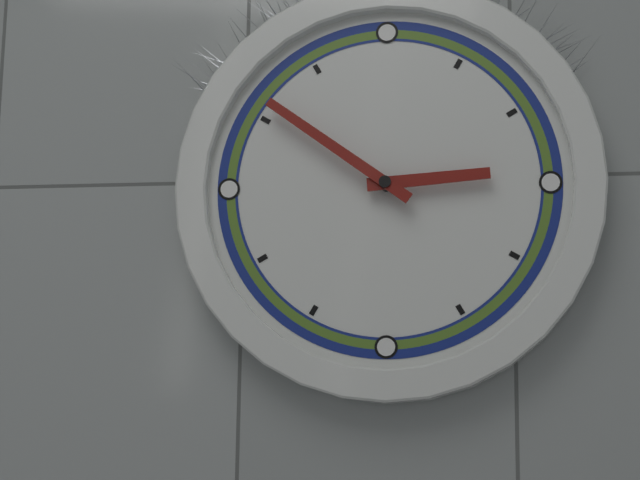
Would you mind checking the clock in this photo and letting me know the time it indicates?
2:51
